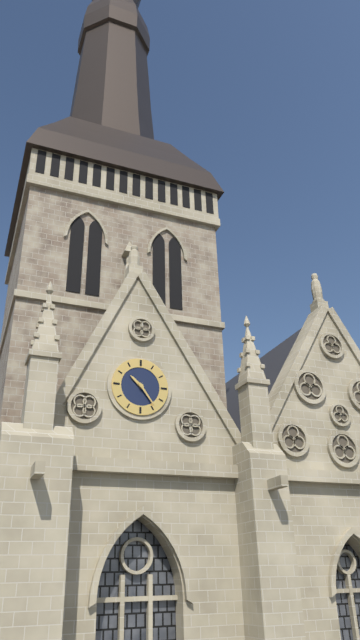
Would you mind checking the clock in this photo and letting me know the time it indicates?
10:24
